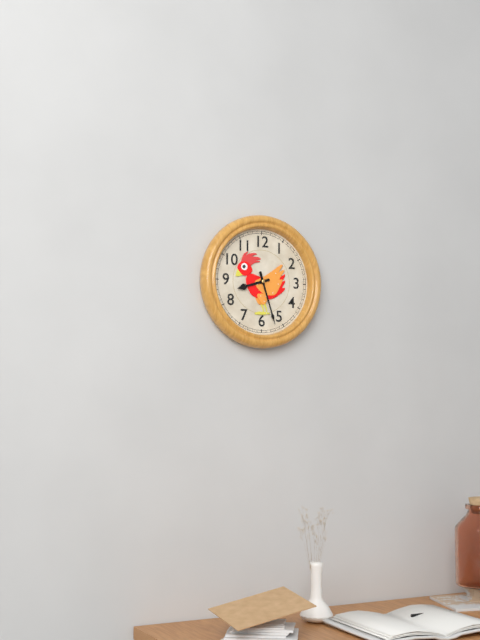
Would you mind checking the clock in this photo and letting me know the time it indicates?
8:27
